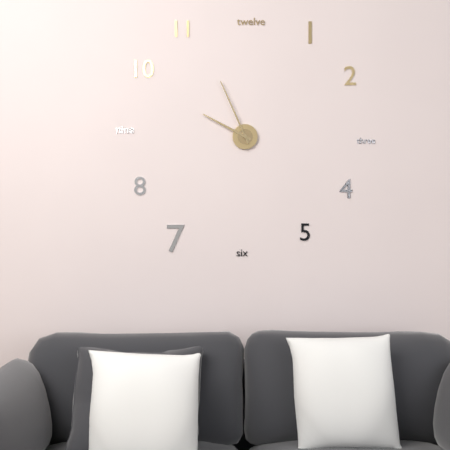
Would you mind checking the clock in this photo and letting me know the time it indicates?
9:56
